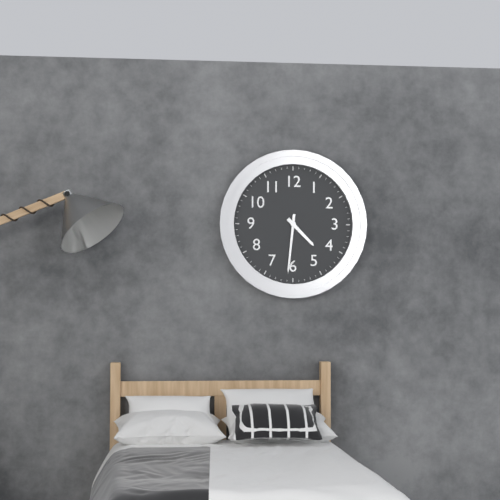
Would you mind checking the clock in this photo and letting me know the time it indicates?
4:31
